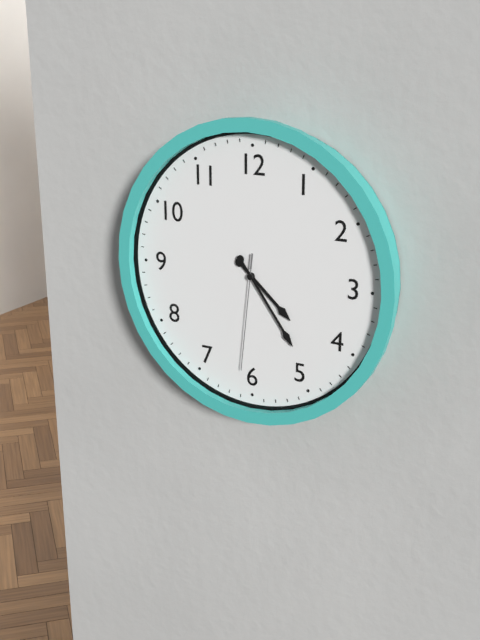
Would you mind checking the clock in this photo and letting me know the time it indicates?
4:24:31
